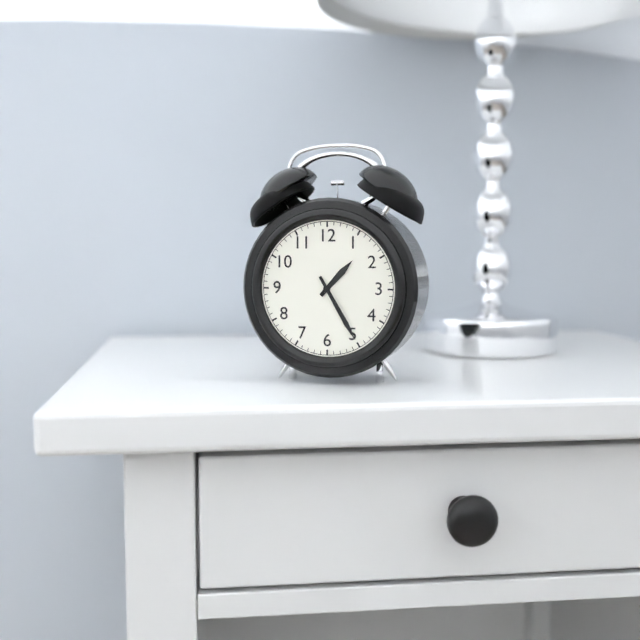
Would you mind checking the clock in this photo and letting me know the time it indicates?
1:25
